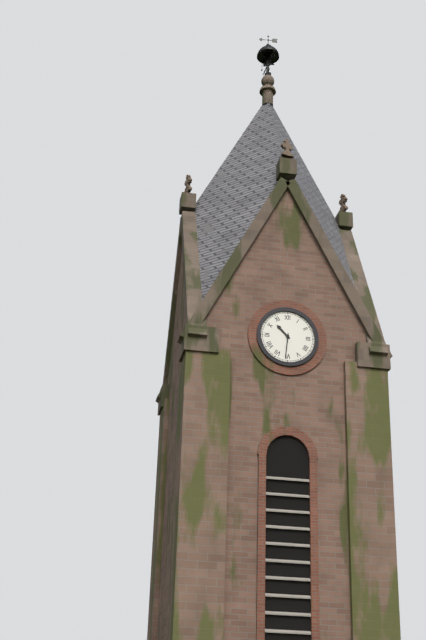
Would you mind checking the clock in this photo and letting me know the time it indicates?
10:31
